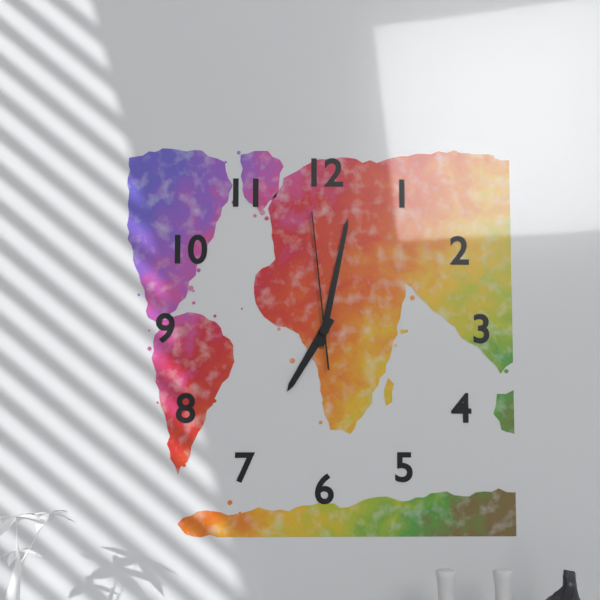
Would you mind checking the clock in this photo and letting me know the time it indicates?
7:02:59
